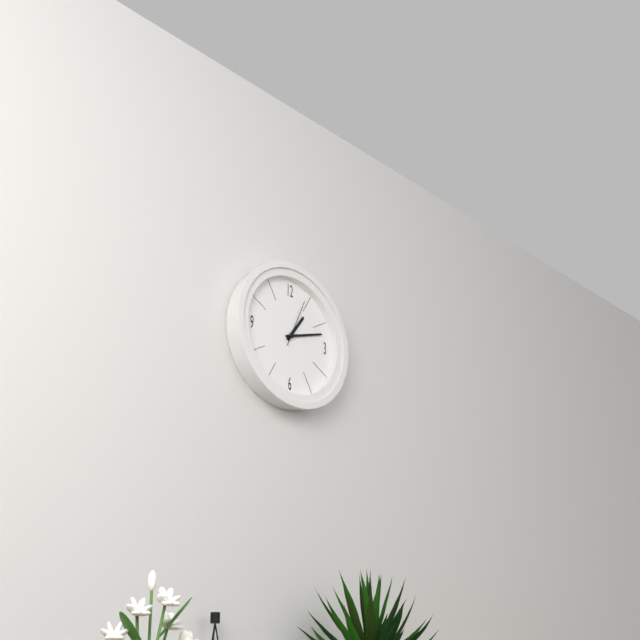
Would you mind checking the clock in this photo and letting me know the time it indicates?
1:12
